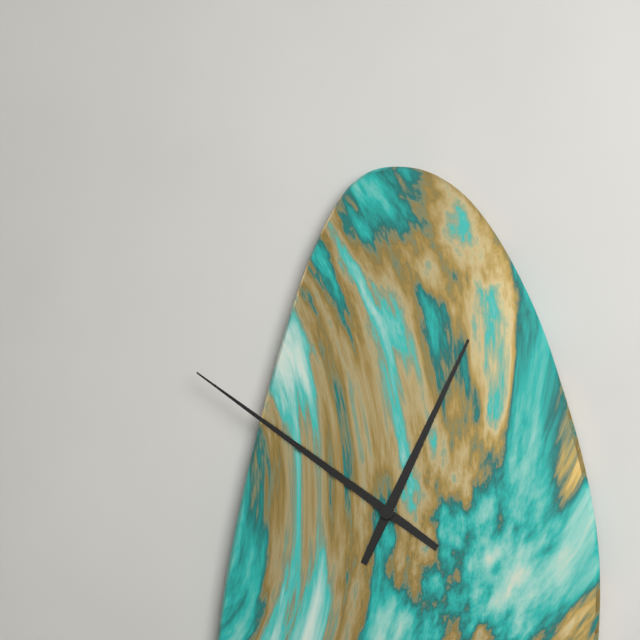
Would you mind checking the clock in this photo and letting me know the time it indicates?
12:51
